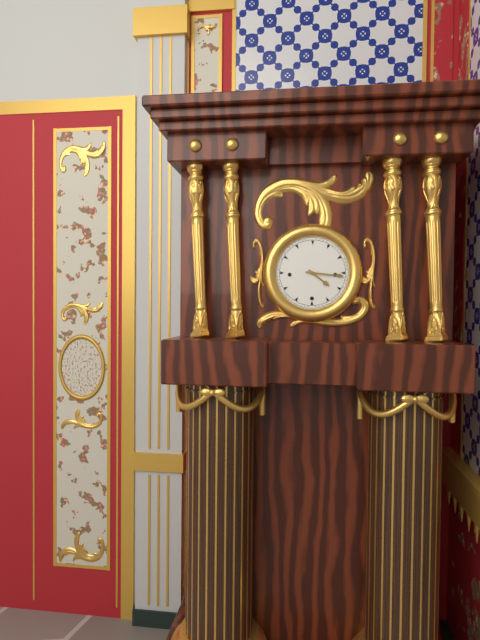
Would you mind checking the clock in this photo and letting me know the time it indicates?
4:16
